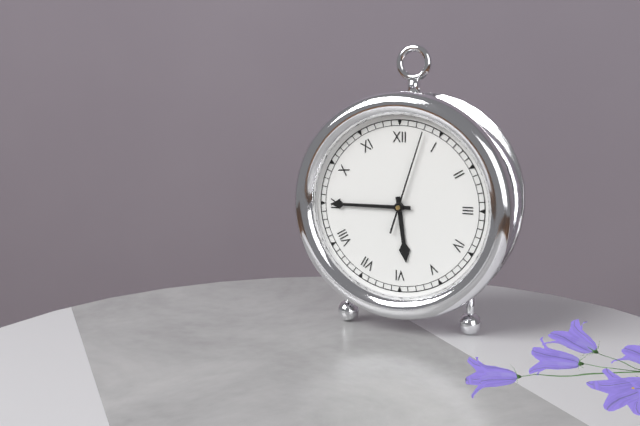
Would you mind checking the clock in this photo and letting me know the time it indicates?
5:45:03
